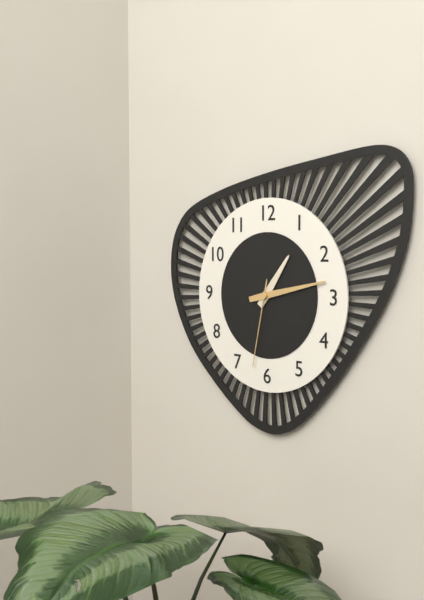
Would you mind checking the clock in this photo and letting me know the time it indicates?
1:13:32
